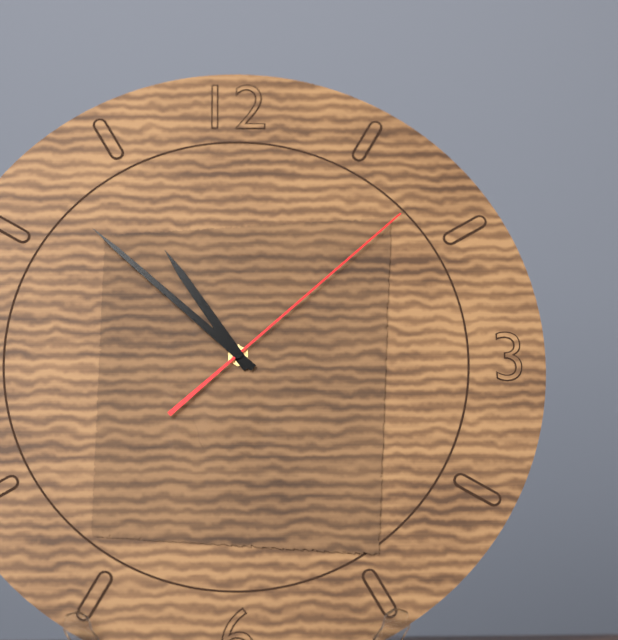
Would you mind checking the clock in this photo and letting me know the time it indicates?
10:52:08
